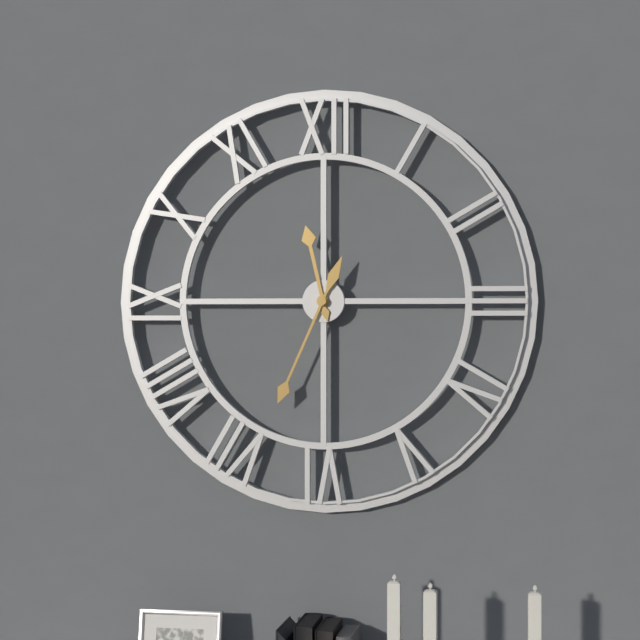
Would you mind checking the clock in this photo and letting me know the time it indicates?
11:34
